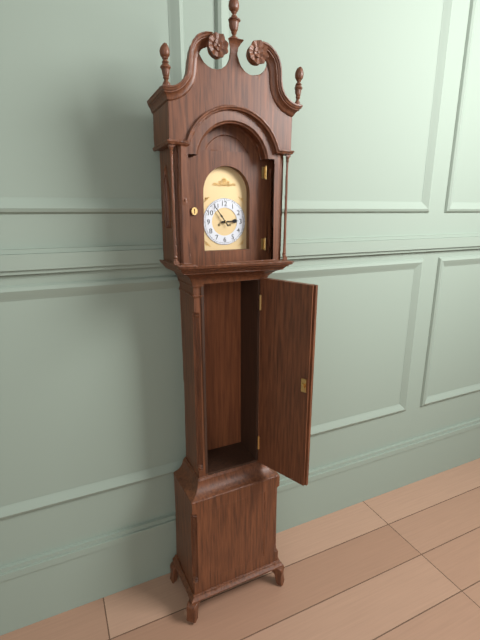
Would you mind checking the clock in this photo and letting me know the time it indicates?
2:54
